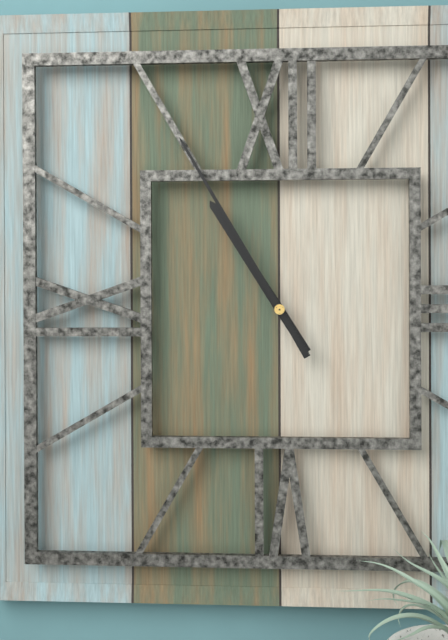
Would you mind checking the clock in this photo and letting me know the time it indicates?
10:55
